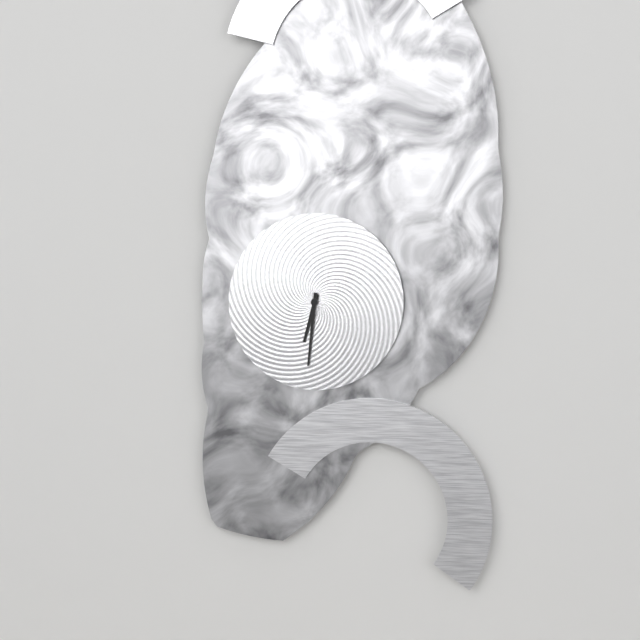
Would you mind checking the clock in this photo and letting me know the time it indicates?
6:31
